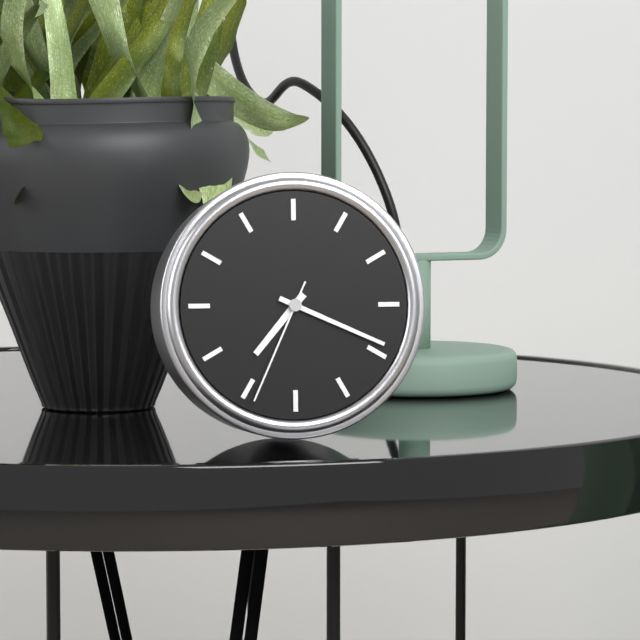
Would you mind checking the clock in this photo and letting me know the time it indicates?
7:19:34
